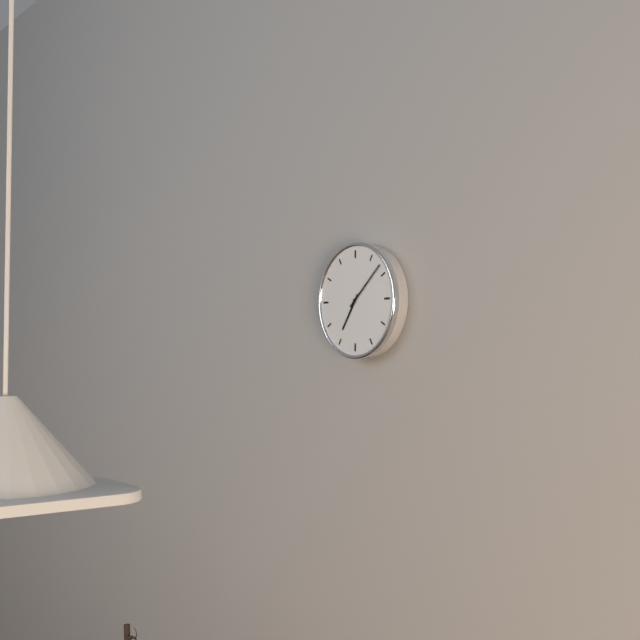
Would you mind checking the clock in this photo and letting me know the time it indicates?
7:08
